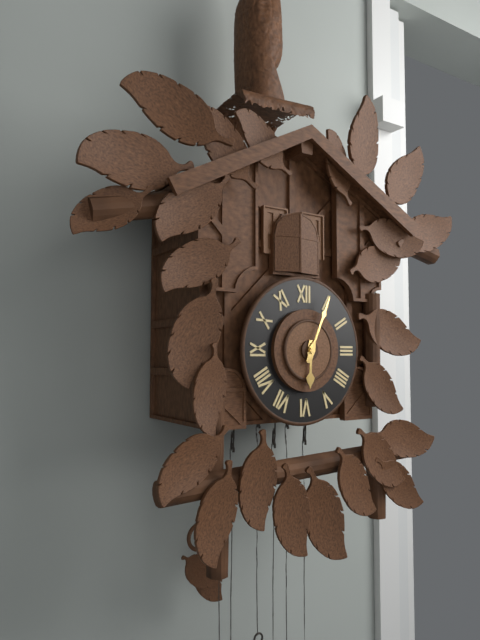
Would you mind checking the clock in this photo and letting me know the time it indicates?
6:04
